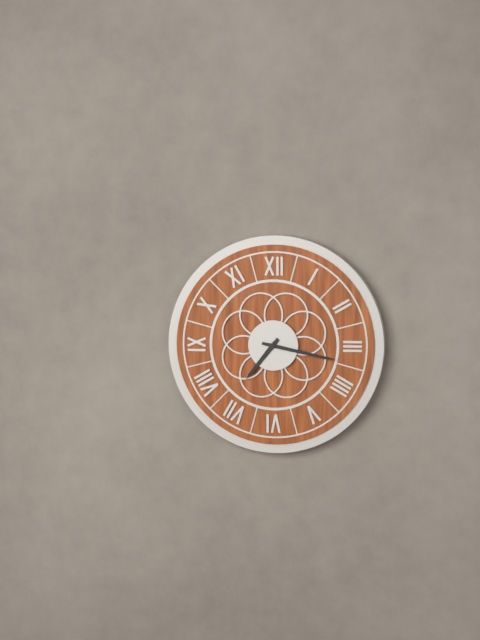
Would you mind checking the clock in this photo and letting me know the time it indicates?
7:17
